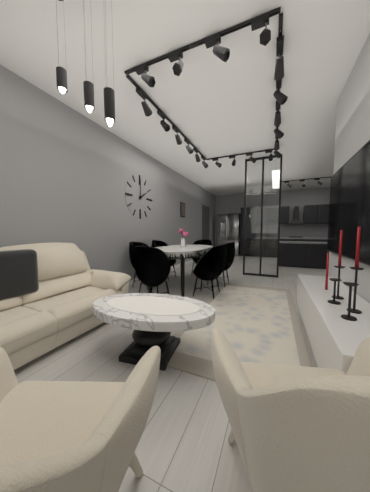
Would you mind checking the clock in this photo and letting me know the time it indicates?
2:00
